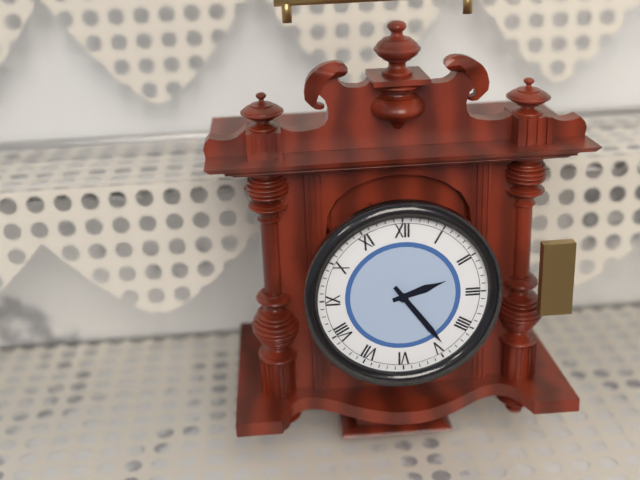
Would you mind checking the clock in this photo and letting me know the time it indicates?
2:24
